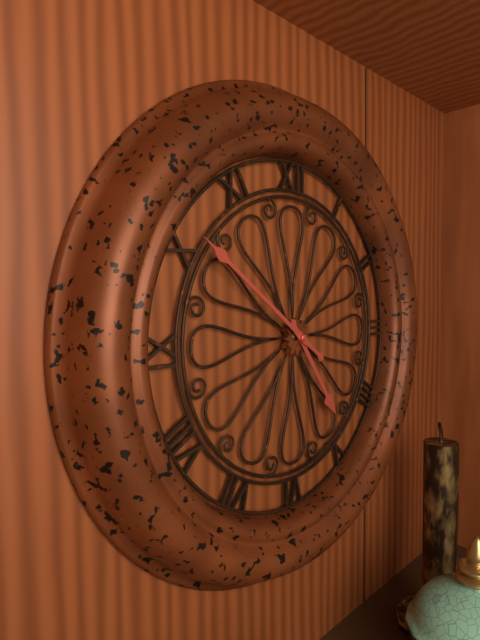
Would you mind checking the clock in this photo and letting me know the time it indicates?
4:51
